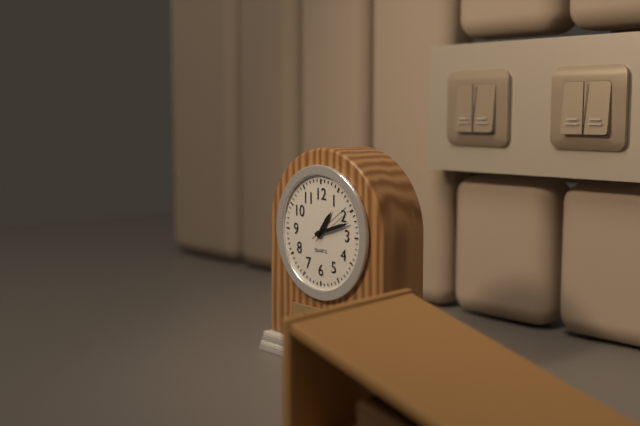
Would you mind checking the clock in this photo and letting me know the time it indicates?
1:12
